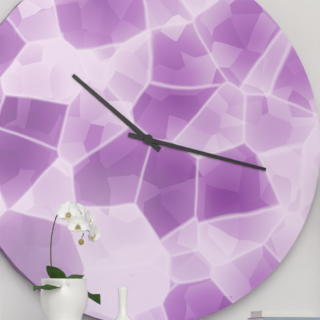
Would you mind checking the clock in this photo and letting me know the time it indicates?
10:17
